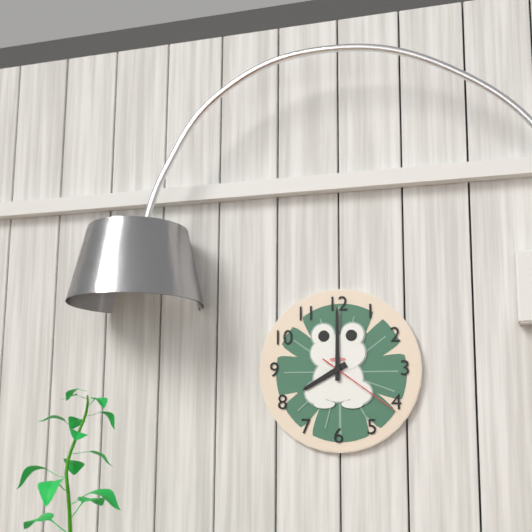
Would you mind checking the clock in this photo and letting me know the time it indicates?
8:00:21
